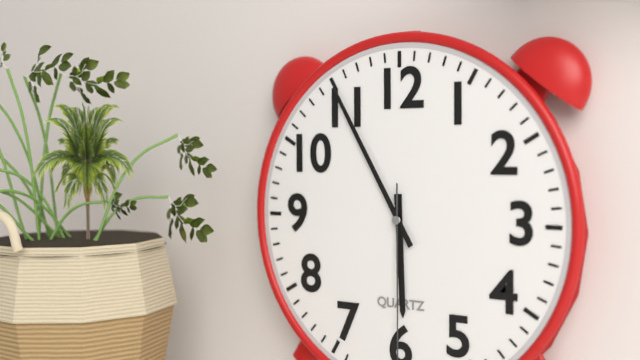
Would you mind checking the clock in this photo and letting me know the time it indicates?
5:55
